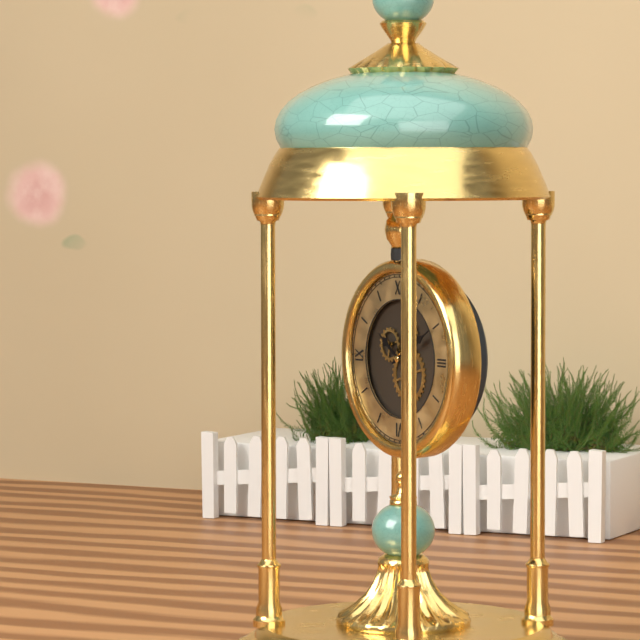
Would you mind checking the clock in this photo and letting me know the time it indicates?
10:10
